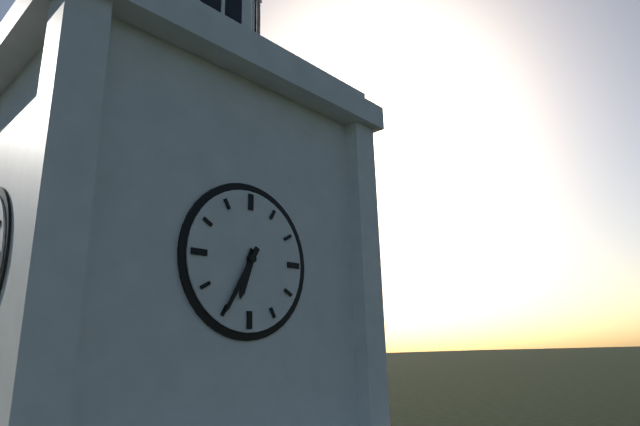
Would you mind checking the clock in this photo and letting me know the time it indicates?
6:35
